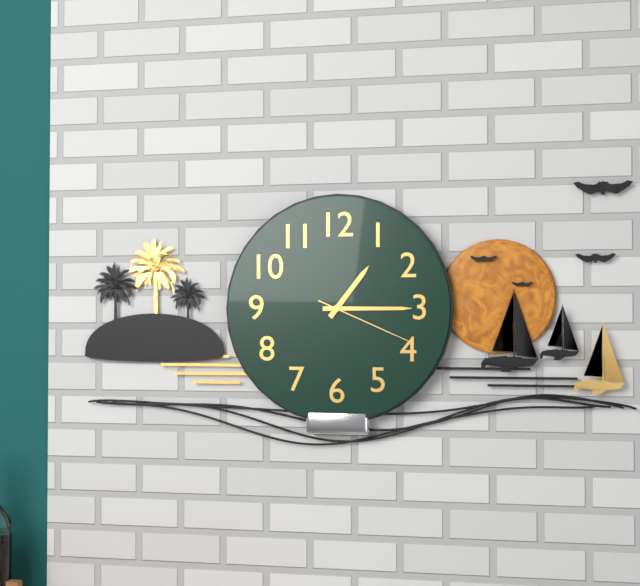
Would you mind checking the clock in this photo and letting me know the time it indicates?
1:15:19
